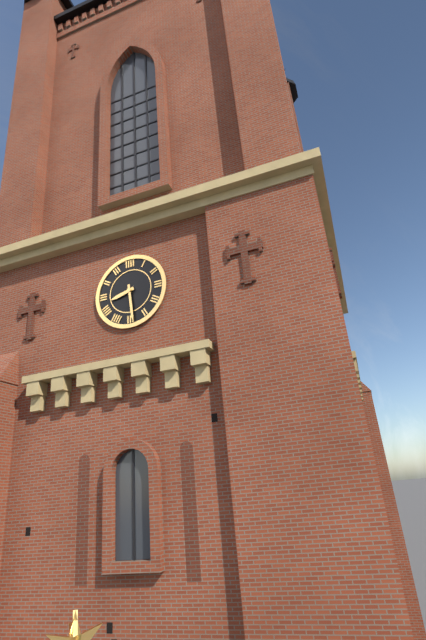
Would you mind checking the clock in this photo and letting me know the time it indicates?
8:29
